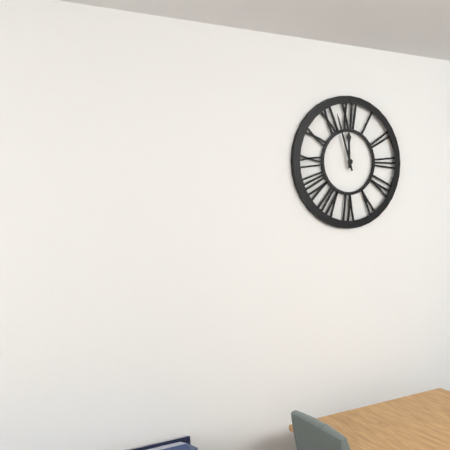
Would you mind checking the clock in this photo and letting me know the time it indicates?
11:57
